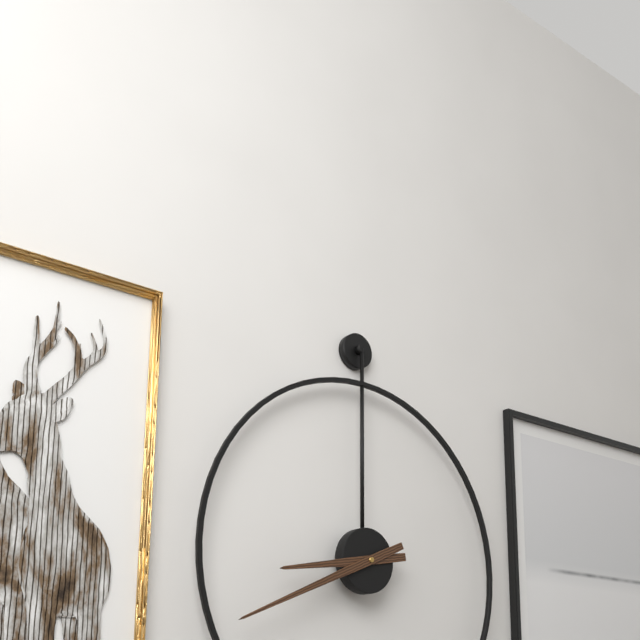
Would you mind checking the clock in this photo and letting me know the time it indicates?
8:41
